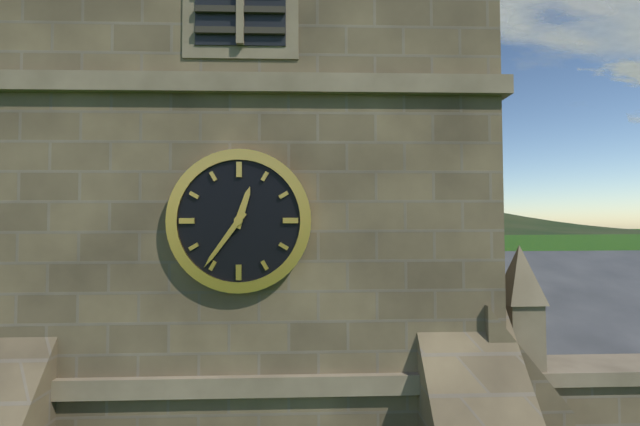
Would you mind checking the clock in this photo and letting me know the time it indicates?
12:36
